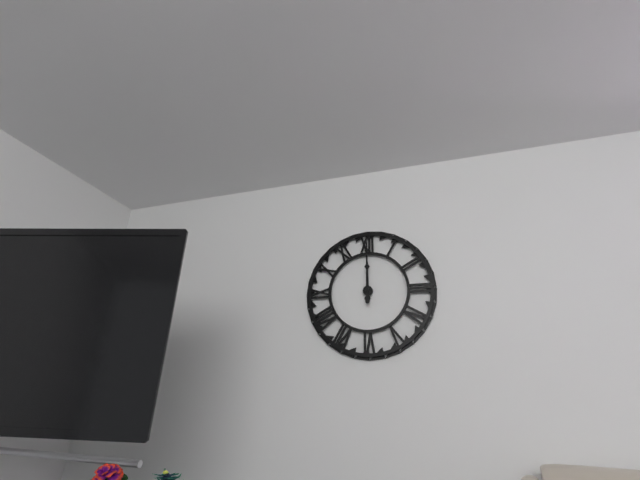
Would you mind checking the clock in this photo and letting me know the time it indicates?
12:00
